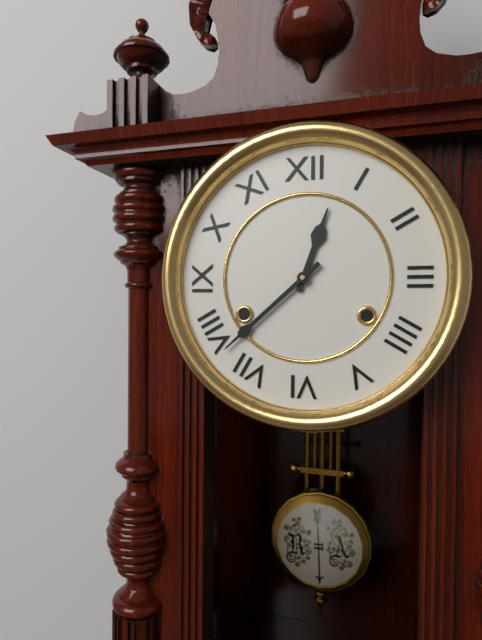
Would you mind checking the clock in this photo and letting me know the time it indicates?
12:38
